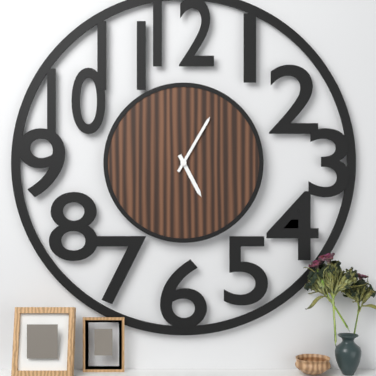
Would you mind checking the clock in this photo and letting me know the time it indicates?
5:05
